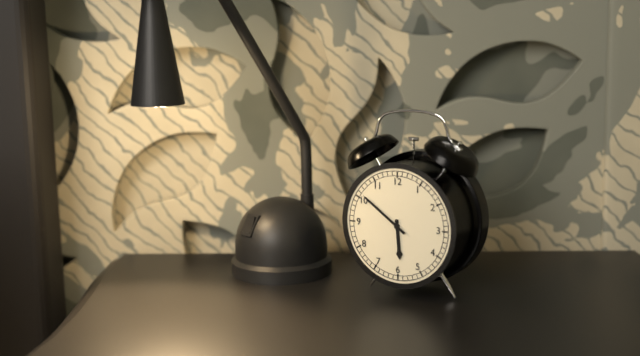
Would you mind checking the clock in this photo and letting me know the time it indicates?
5:51
